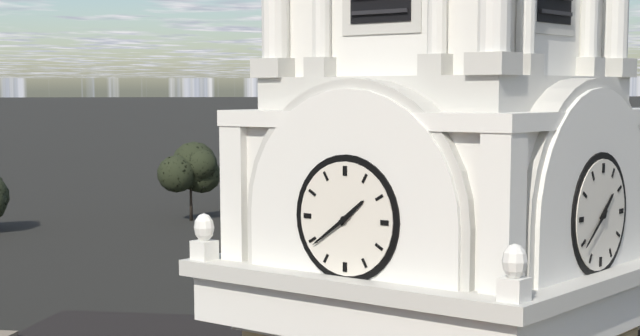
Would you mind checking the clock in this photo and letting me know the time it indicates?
1:39
